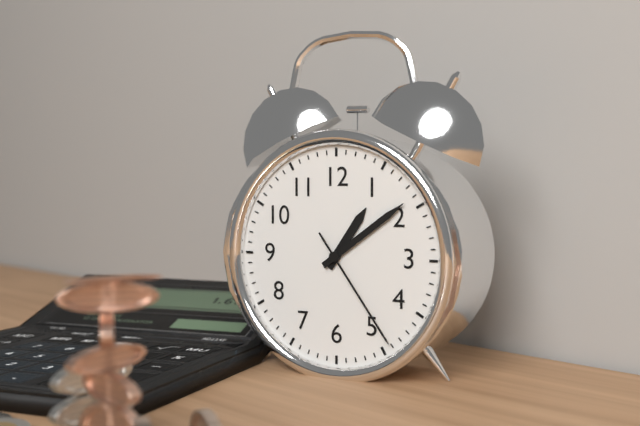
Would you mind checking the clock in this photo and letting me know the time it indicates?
1:09:24
